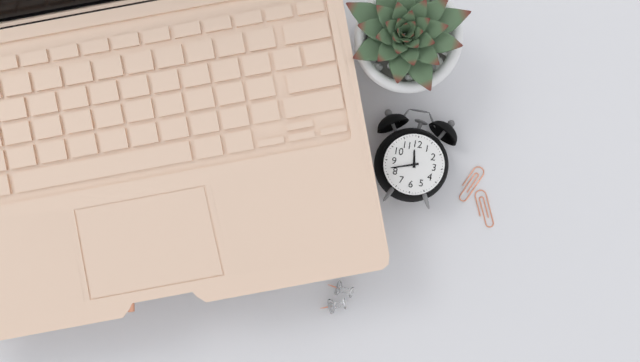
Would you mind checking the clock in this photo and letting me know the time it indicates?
11:42
